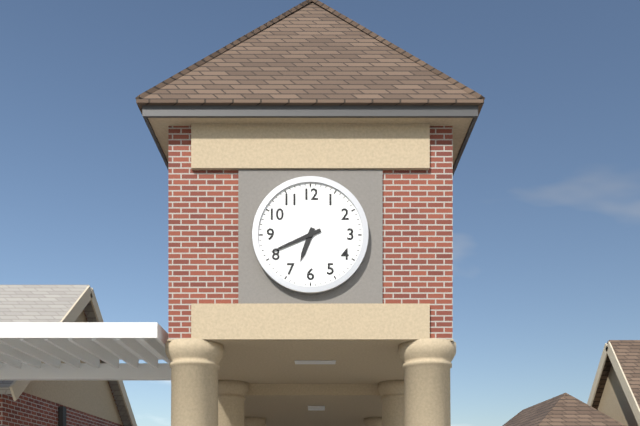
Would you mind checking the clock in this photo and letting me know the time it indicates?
6:41
